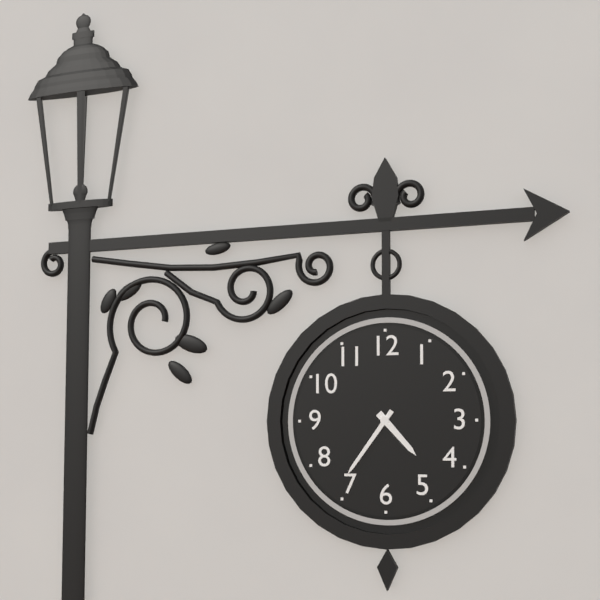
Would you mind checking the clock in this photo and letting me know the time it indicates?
4:36
